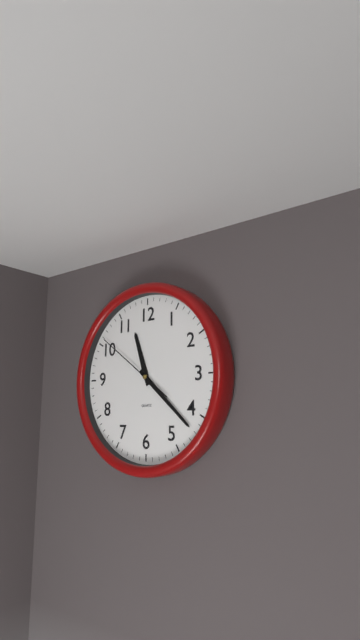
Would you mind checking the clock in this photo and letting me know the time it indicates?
11:22:51
